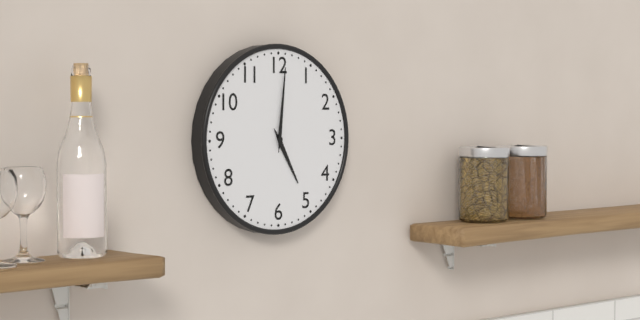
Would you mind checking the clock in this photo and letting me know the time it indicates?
5:01
